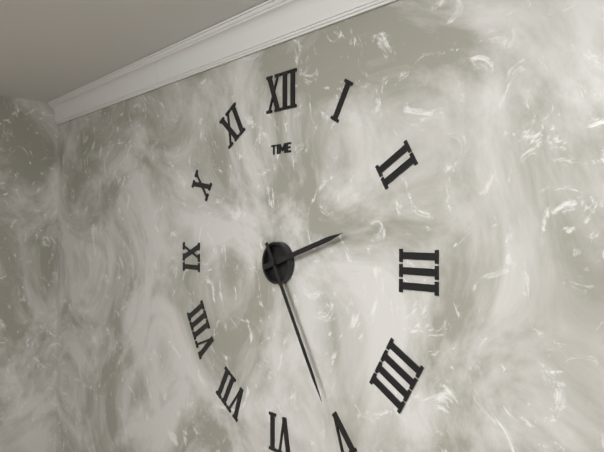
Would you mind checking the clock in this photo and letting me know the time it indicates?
2:25
